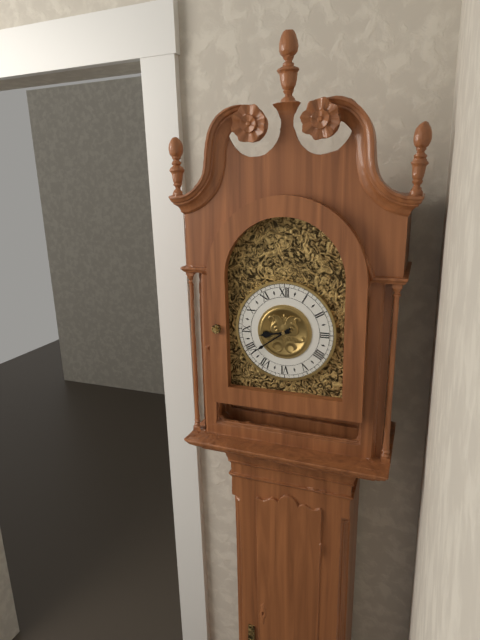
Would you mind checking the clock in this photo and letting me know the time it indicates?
8:39
